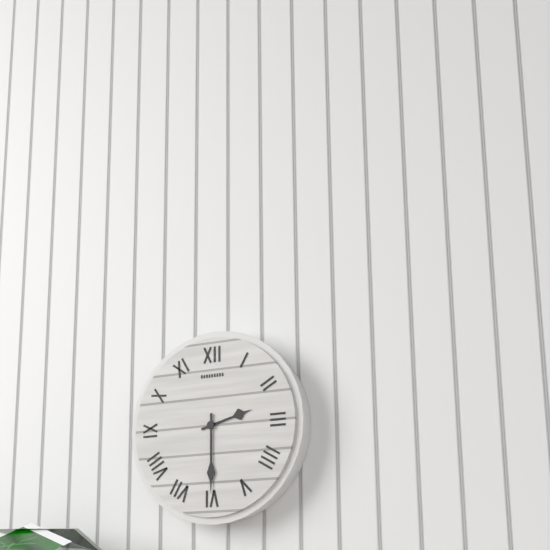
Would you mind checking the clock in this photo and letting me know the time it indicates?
2:30
